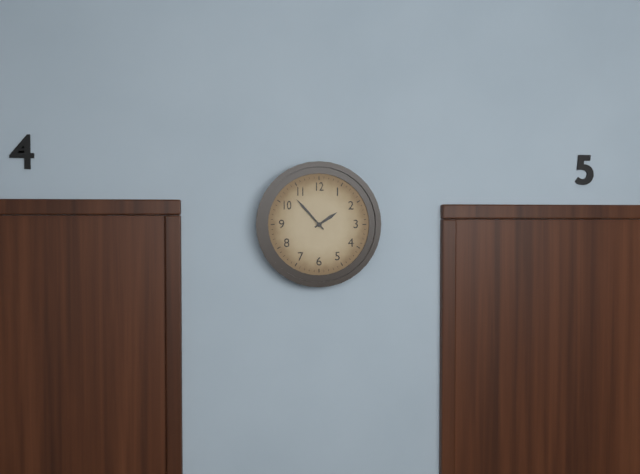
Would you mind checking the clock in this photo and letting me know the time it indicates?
1:53
